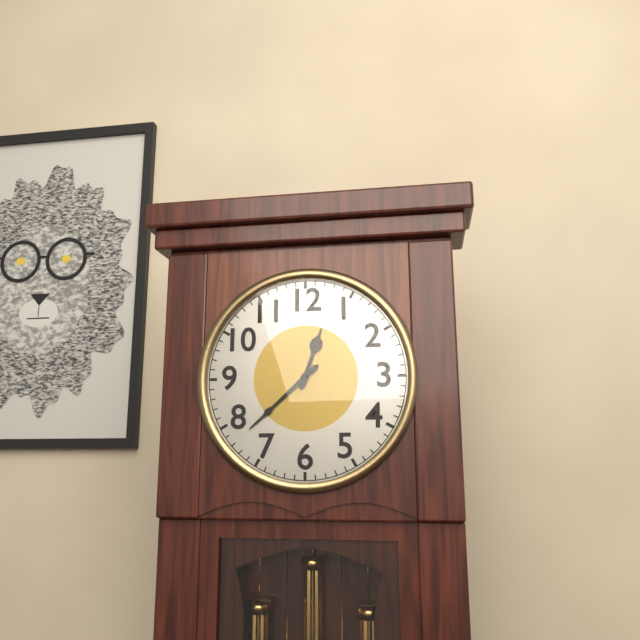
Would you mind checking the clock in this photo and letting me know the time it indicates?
12:38
